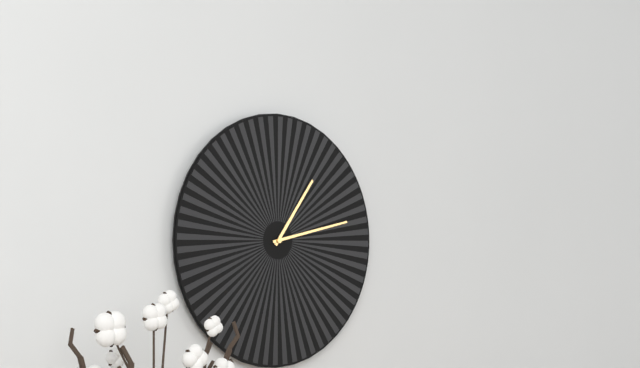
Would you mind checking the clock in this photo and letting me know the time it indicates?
1:13
